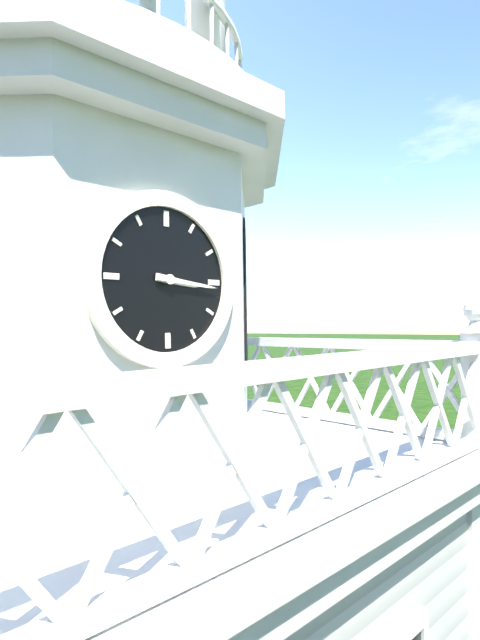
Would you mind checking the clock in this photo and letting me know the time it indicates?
3:16
